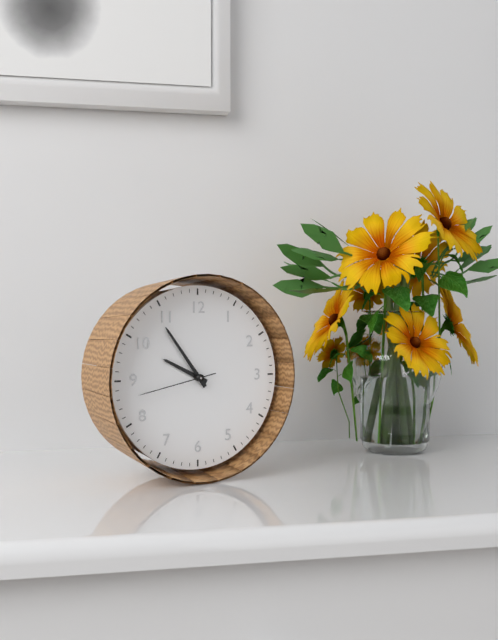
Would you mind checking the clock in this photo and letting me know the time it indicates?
9:54:43
